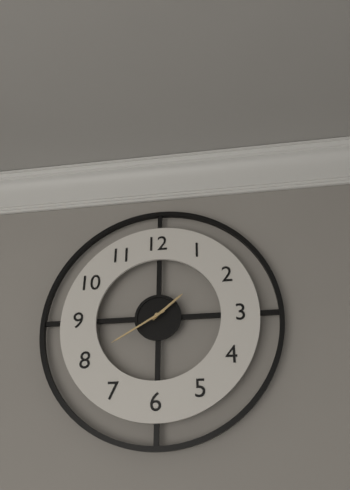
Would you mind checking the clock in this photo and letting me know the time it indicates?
1:40
